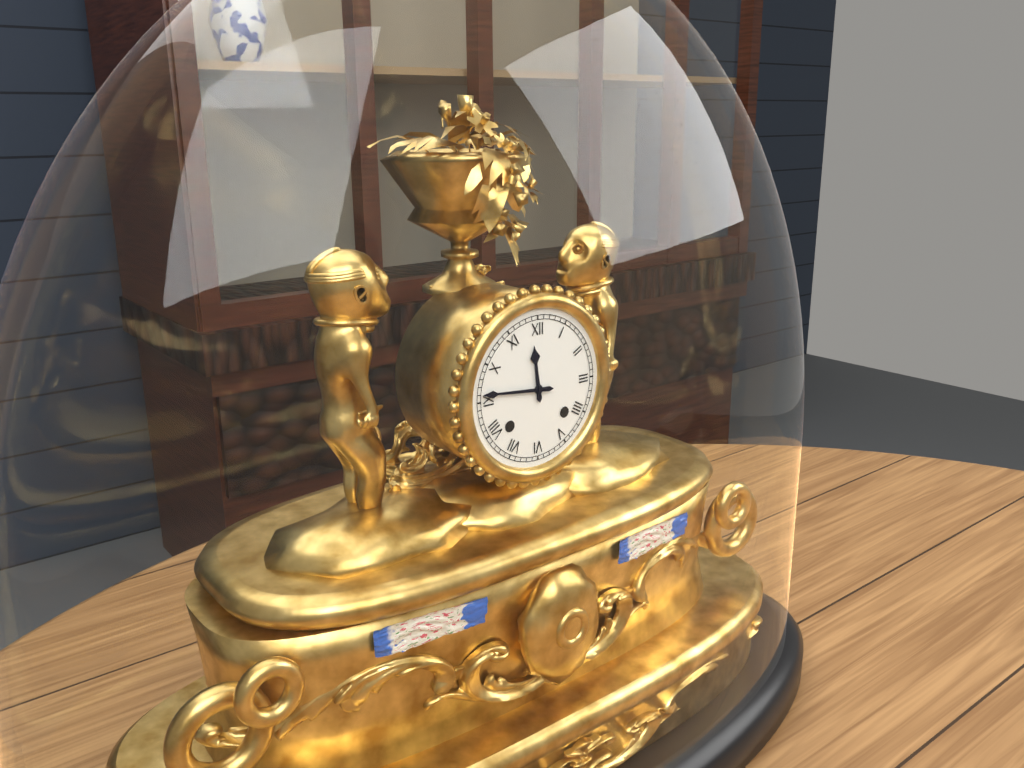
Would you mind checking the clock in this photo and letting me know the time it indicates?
11:46
